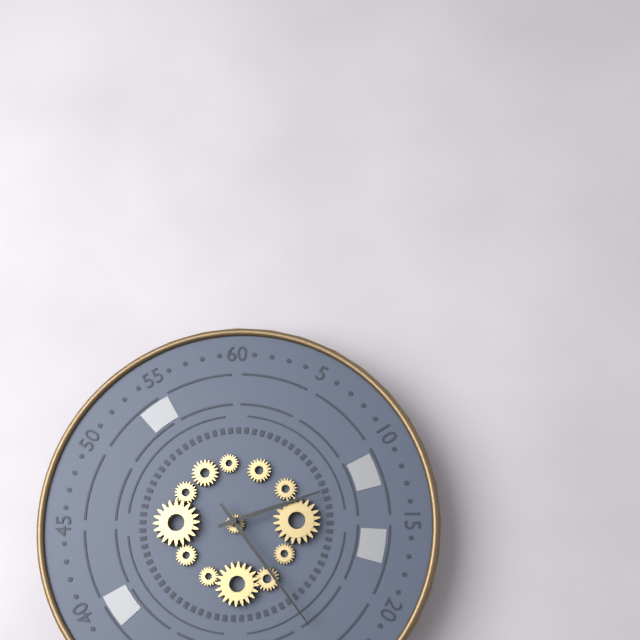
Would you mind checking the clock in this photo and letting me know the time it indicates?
2:24
